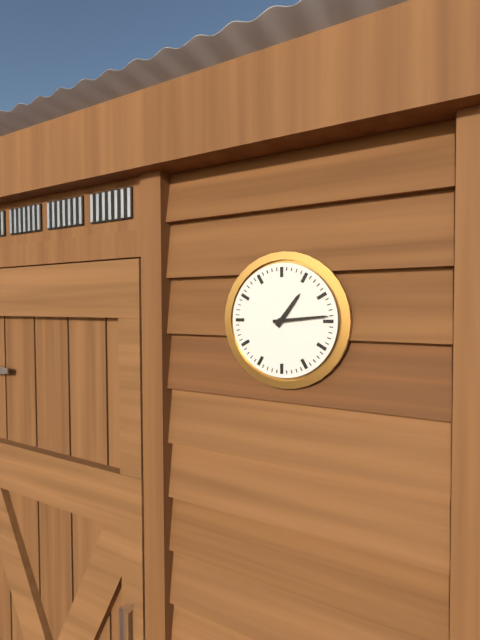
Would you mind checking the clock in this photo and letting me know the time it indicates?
1:14
